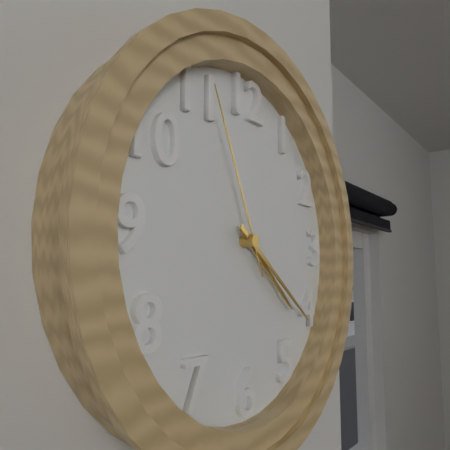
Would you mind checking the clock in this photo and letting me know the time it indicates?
4:21:56
